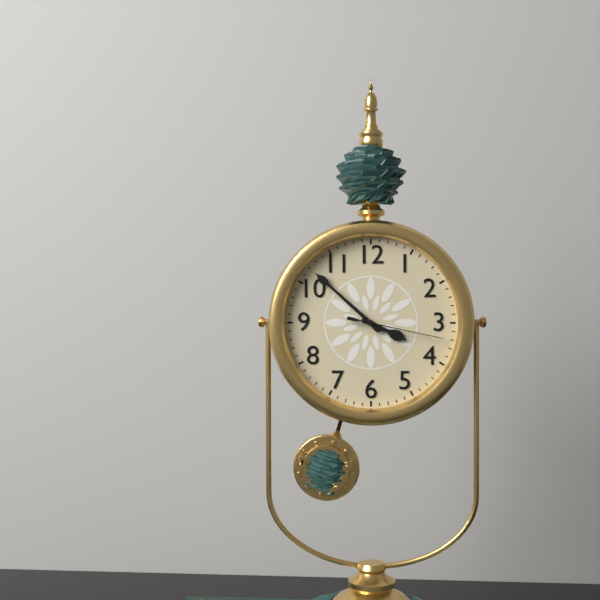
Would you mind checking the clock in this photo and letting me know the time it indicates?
3:52:17
